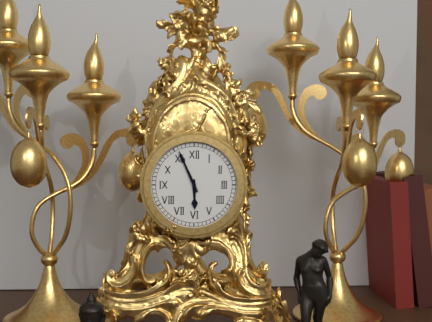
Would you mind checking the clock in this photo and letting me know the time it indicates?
5:56
